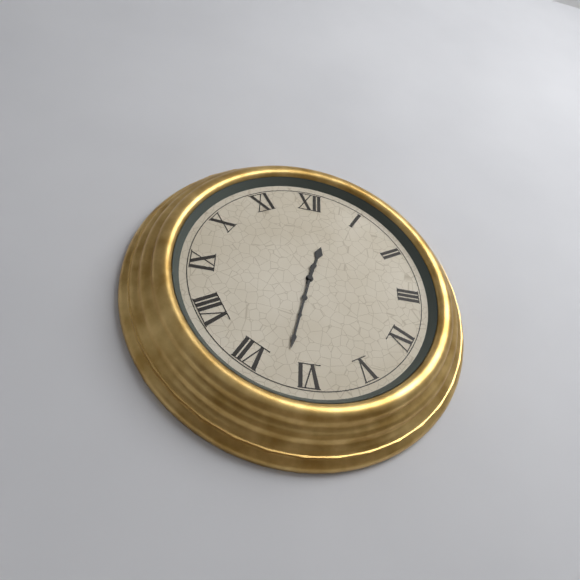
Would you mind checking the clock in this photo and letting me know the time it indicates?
12:32
